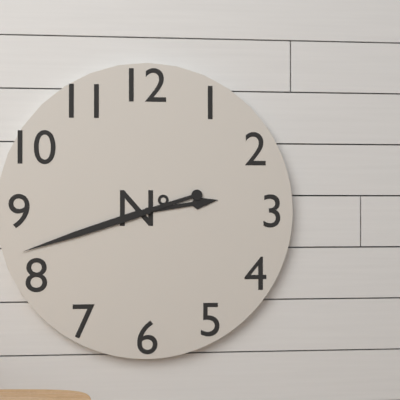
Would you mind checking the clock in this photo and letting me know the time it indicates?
2:42
